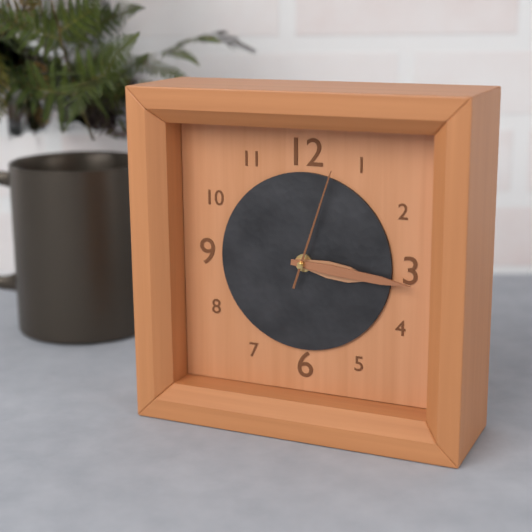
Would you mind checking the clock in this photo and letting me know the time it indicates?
3:16:03
